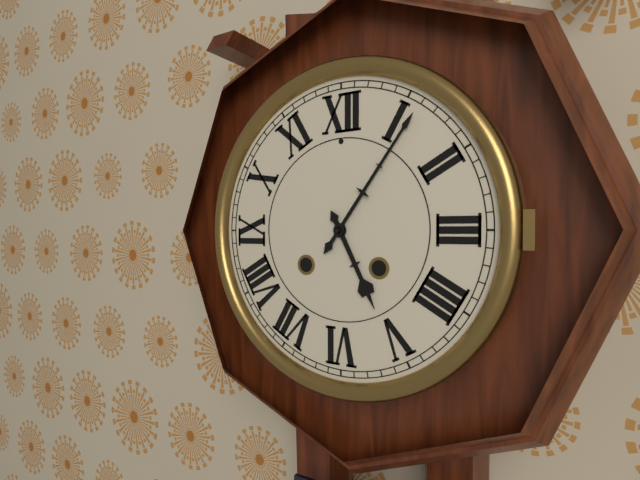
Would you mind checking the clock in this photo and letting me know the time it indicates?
5:06
